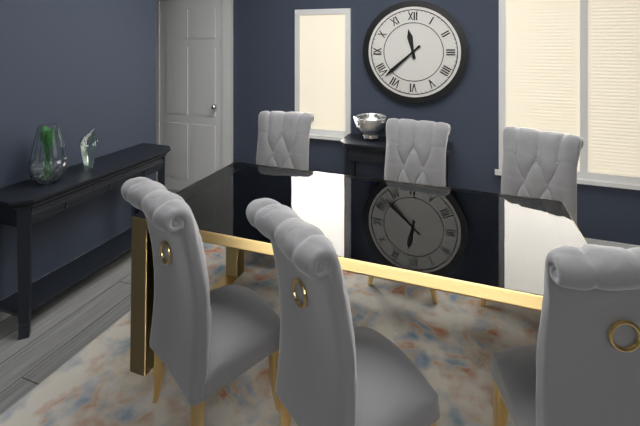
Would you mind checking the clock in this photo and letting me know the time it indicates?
11:38
